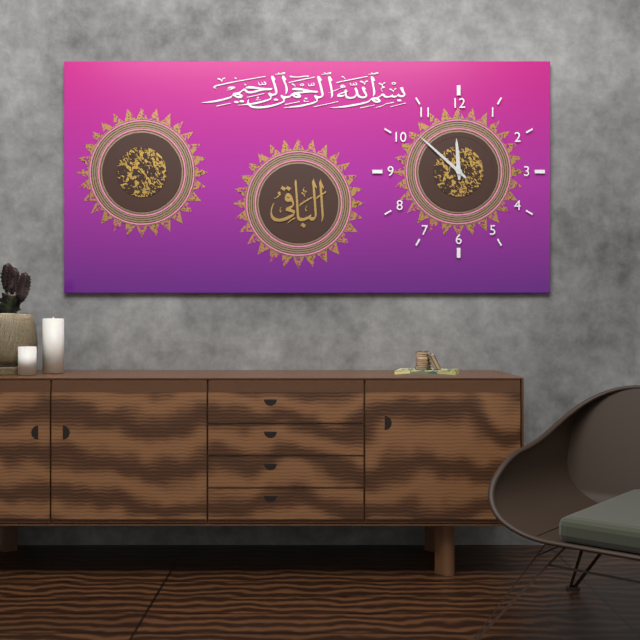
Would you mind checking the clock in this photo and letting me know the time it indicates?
11:52
